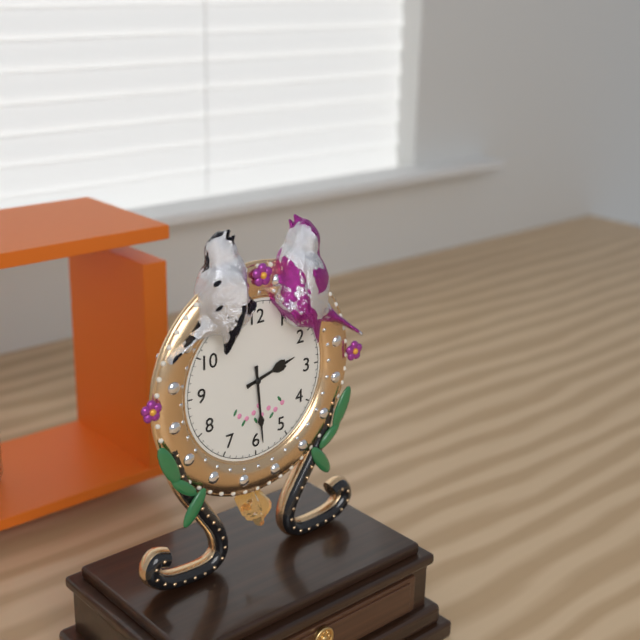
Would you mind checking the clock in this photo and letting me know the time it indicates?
2:29
